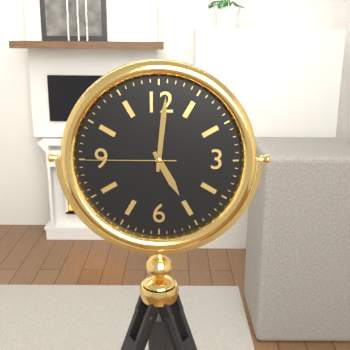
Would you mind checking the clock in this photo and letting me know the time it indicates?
5:01:45
